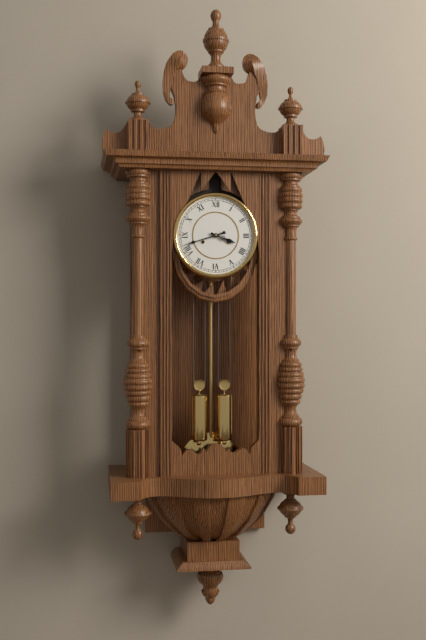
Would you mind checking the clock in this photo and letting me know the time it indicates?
3:42
